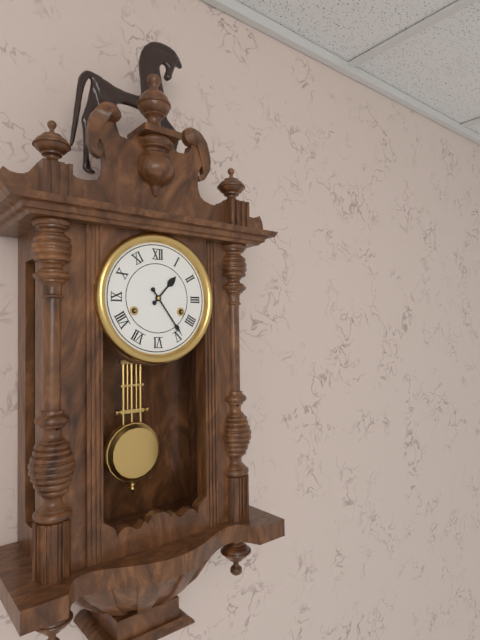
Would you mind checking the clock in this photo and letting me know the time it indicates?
1:24
